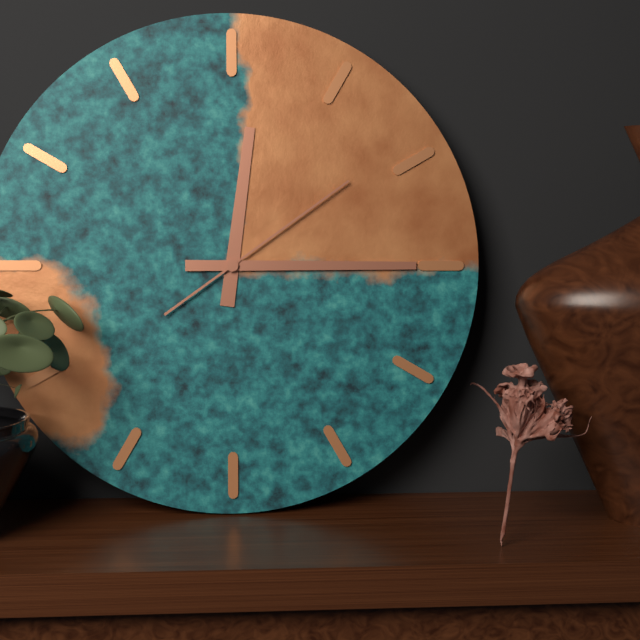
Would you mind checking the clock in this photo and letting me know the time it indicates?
12:15:09
